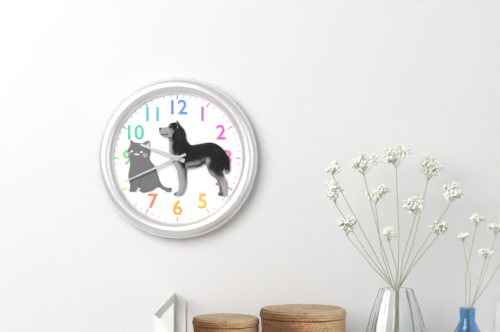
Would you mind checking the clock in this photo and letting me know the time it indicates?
9:41
